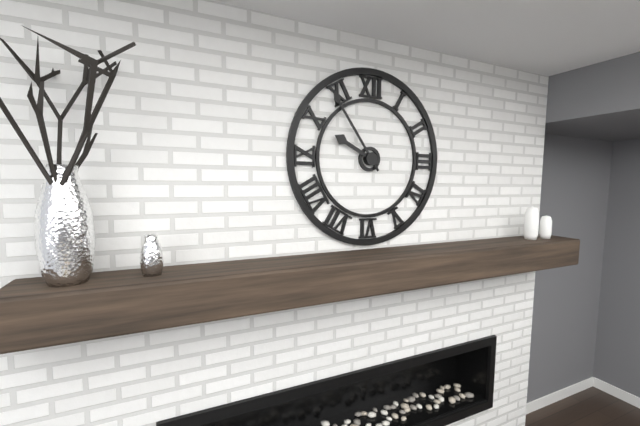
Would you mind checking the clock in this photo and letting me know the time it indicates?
9:54
